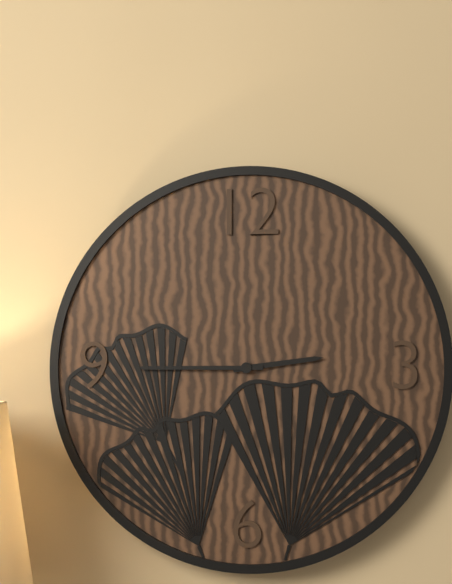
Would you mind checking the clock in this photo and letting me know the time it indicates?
2:45
